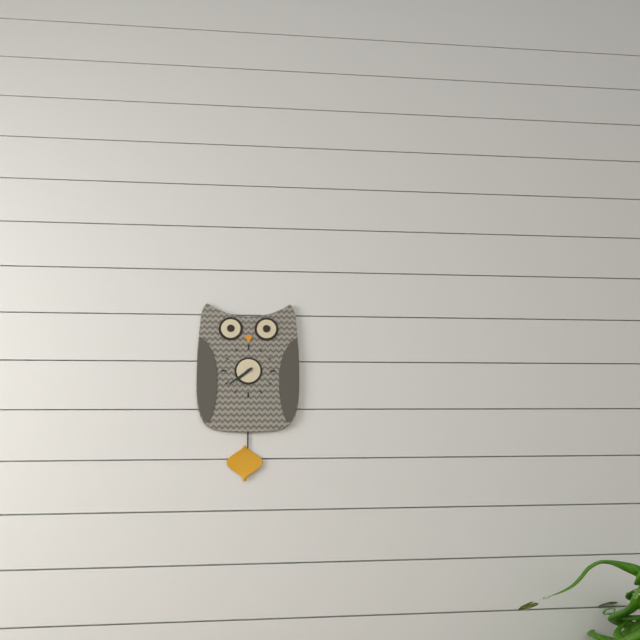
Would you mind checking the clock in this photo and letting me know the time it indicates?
7:39
